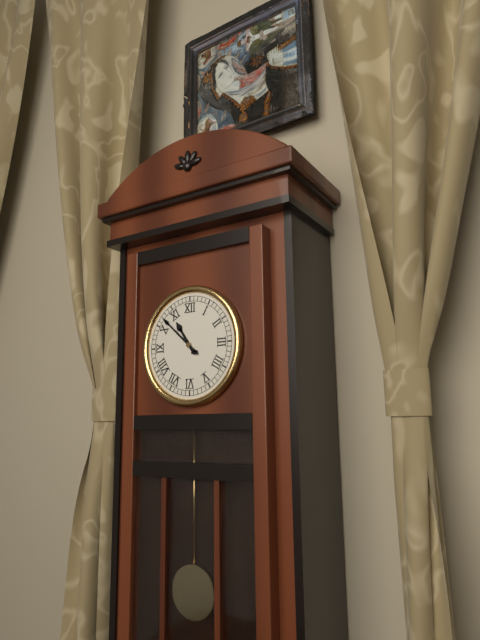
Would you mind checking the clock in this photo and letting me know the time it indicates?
10:52
